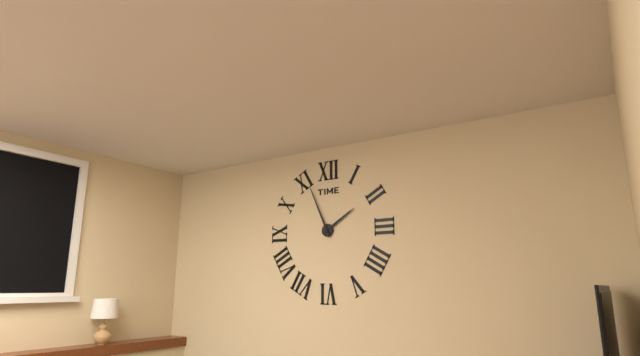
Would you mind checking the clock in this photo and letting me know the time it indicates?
1:56
